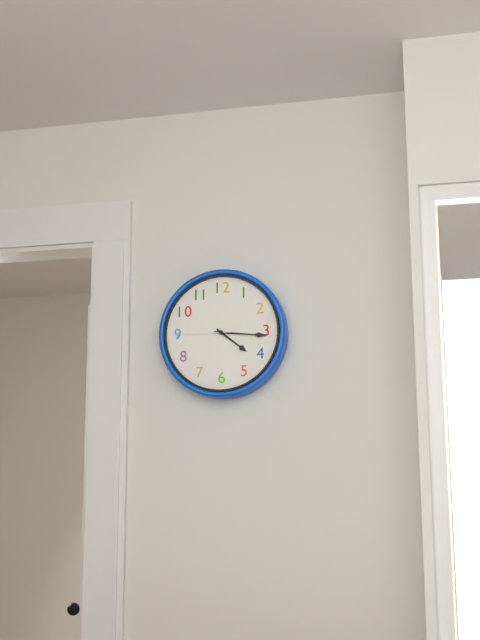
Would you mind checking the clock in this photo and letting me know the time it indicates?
4:16:45
